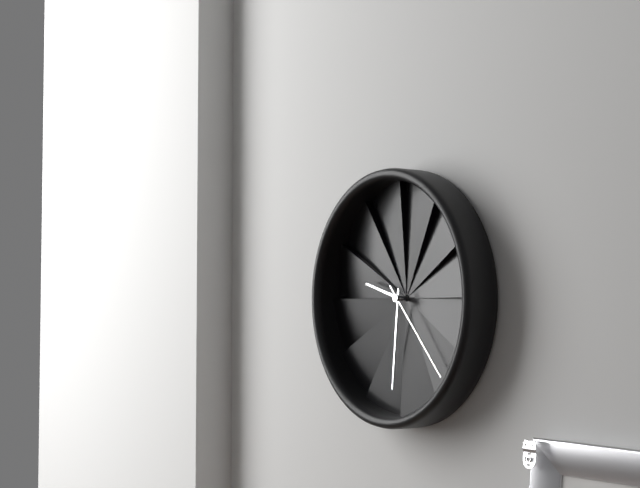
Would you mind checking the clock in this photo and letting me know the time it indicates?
9:31:23
